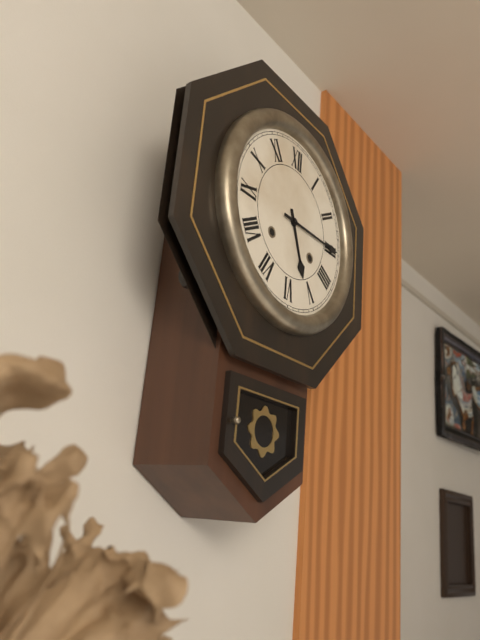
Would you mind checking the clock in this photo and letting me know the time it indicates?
5:15
